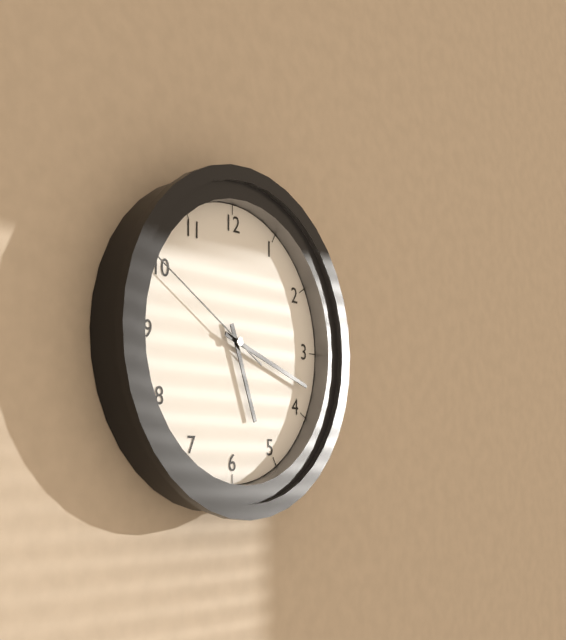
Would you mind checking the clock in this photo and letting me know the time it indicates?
5:18:50
